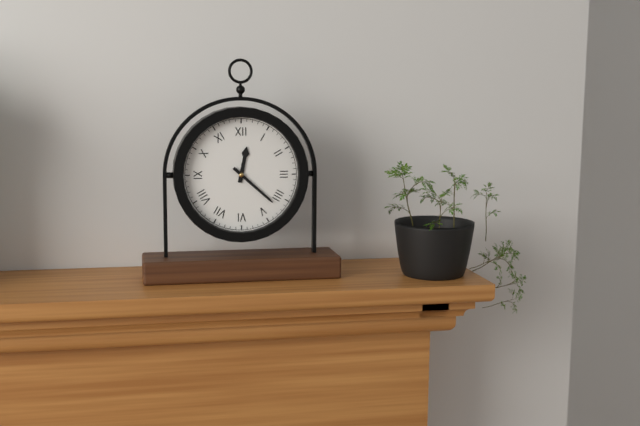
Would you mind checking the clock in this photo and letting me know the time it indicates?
12:22
